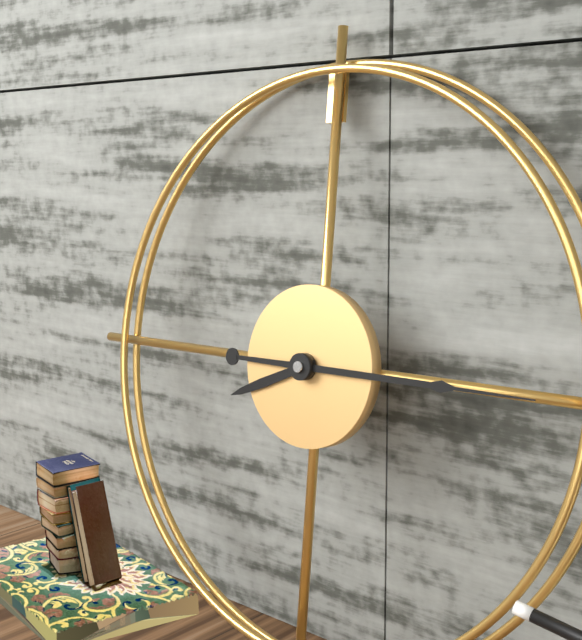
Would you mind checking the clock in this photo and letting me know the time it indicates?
8:15
